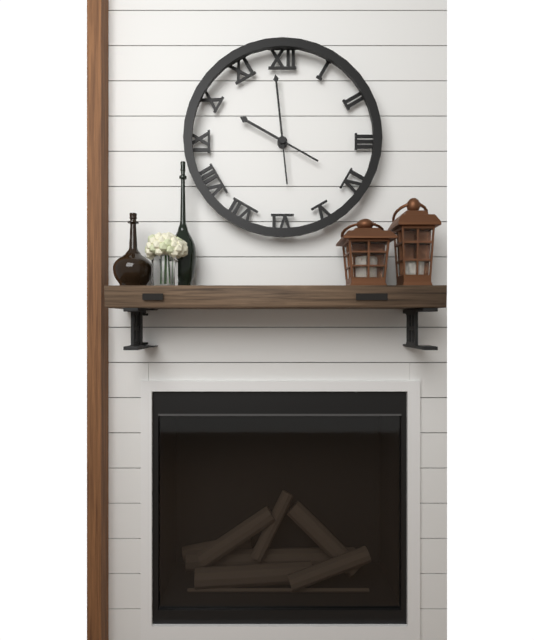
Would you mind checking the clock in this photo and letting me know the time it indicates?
9:59
